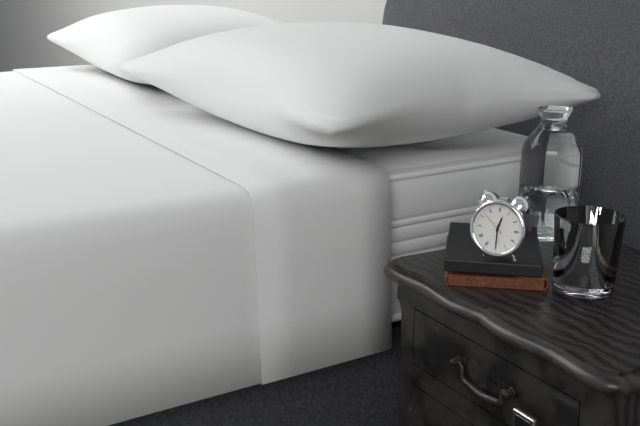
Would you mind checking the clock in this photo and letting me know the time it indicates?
12:30
